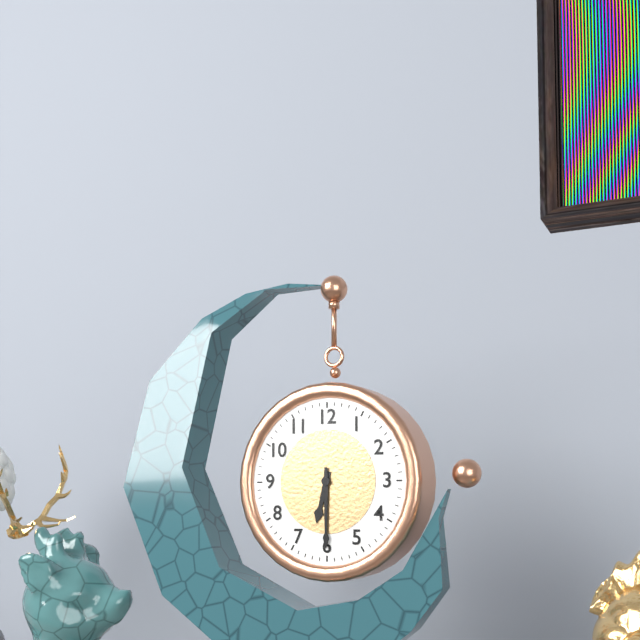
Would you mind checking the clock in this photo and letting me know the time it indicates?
6:30
